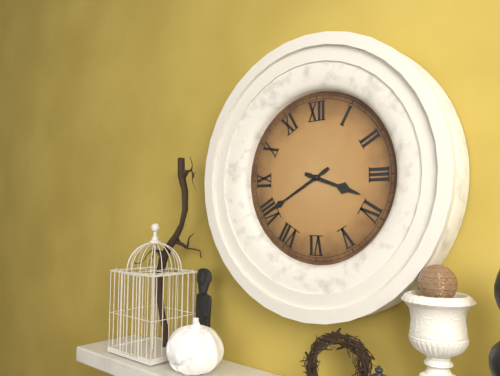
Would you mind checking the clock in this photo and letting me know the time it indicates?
3:40
